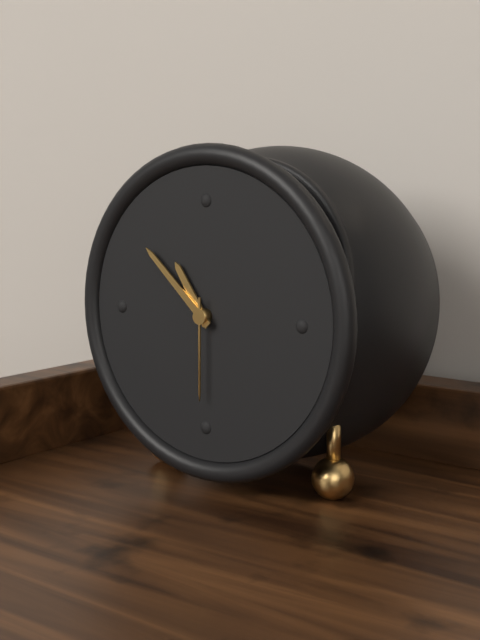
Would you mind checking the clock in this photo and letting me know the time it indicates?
10:52:30
